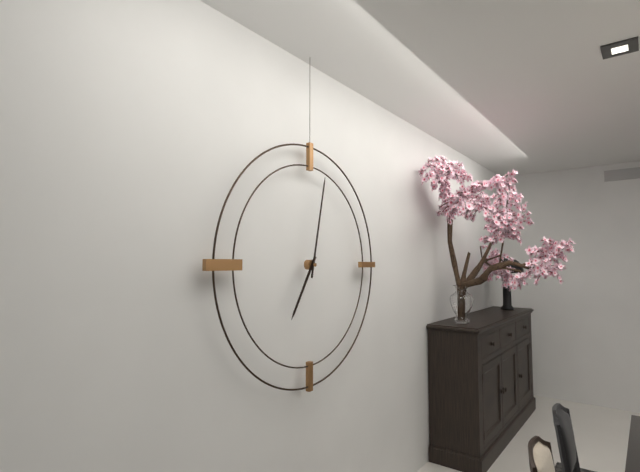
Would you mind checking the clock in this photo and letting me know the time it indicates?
7:02
